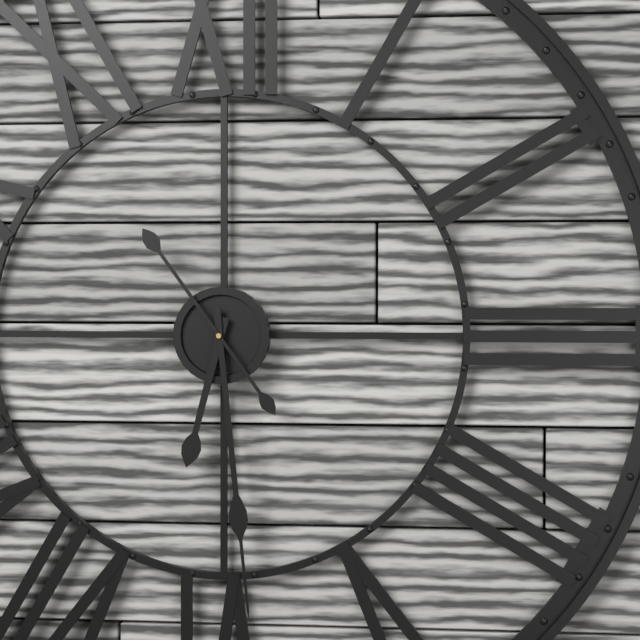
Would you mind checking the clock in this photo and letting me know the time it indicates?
6:29:54
